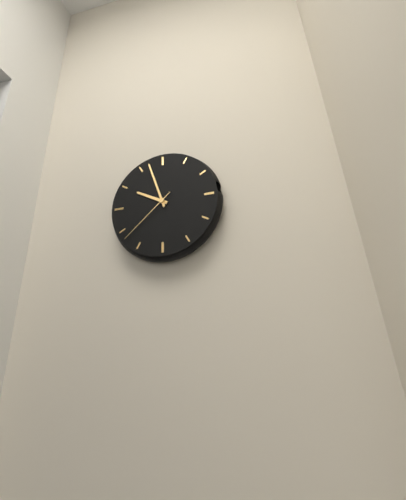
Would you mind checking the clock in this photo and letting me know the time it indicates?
9:57:38
